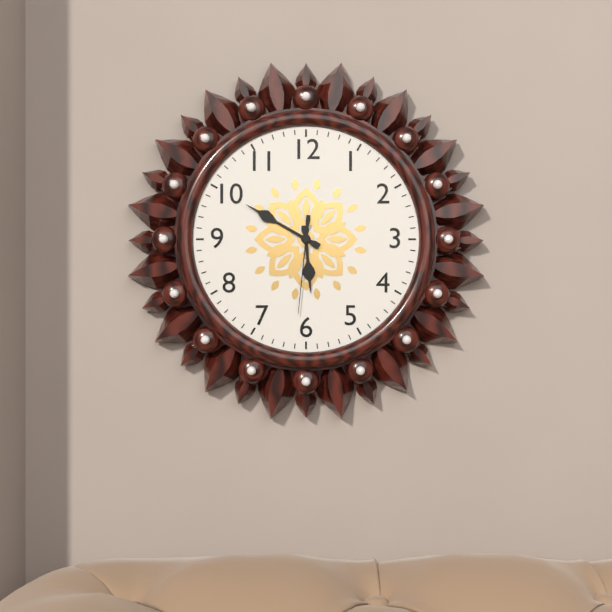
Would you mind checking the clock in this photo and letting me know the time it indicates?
5:50:31
